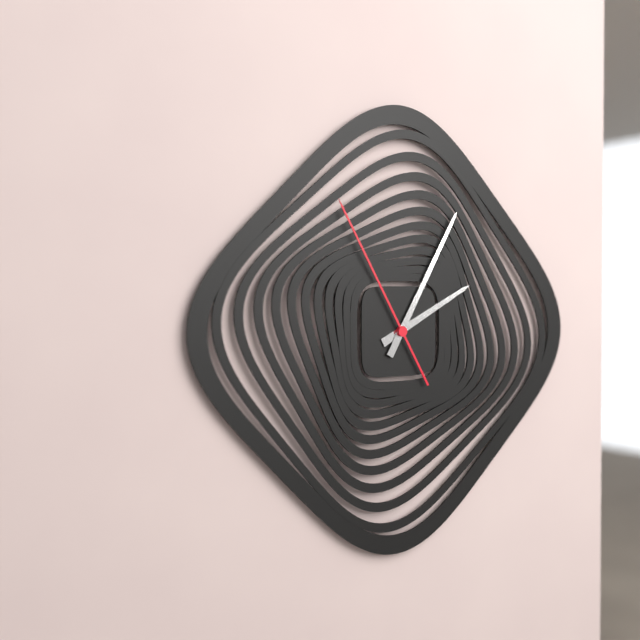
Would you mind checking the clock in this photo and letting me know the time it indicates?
2:05:55
